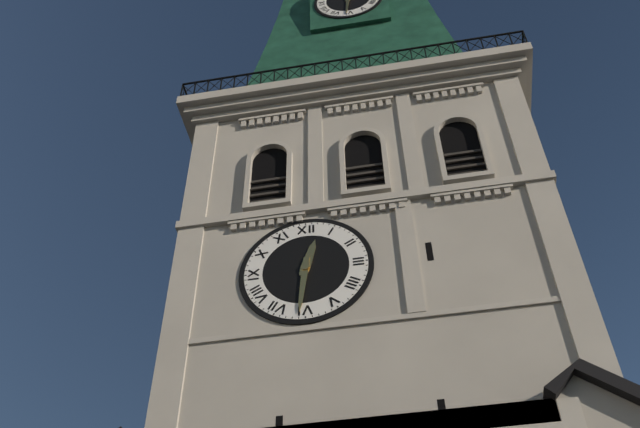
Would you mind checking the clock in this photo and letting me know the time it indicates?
12:31
